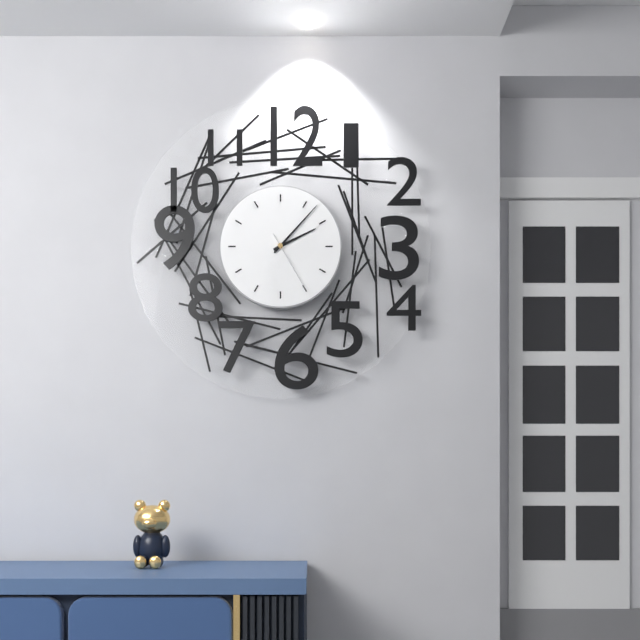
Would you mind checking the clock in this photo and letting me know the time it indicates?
2:07:25
